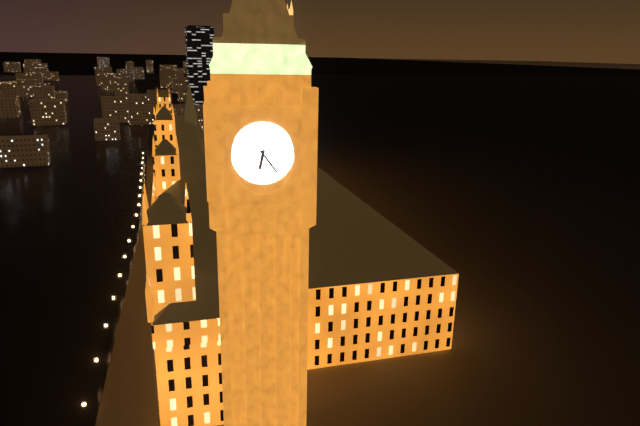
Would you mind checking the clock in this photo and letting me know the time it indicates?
6:24
